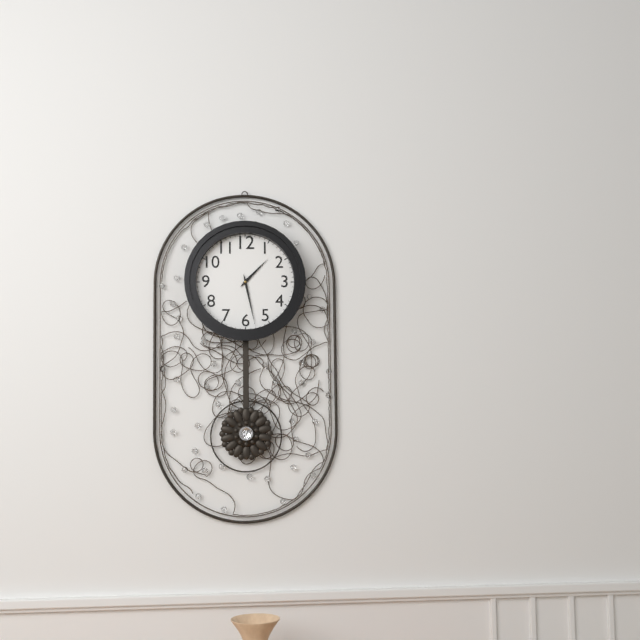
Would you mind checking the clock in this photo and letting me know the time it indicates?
1:28
